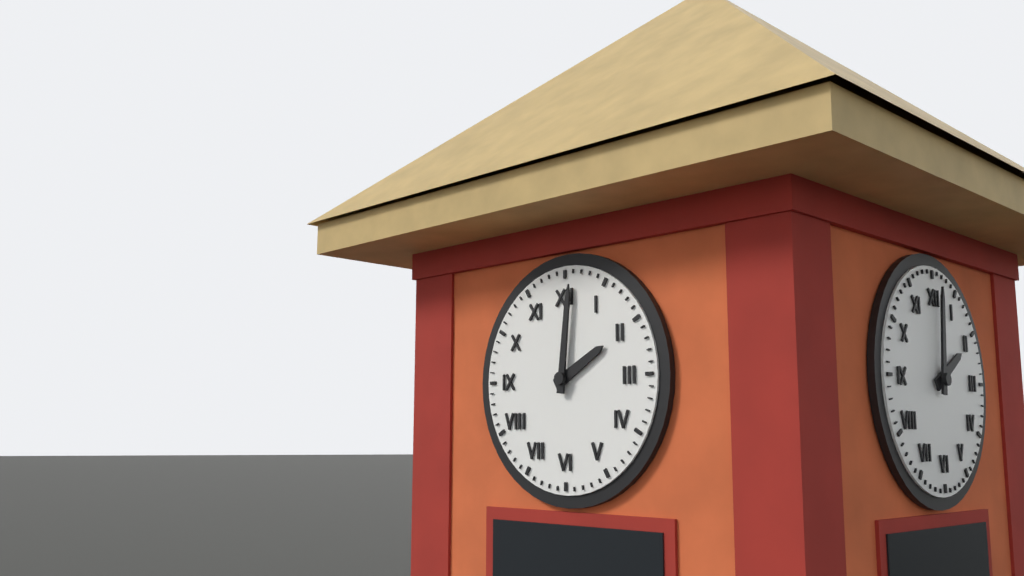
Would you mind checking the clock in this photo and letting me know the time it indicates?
2:01
